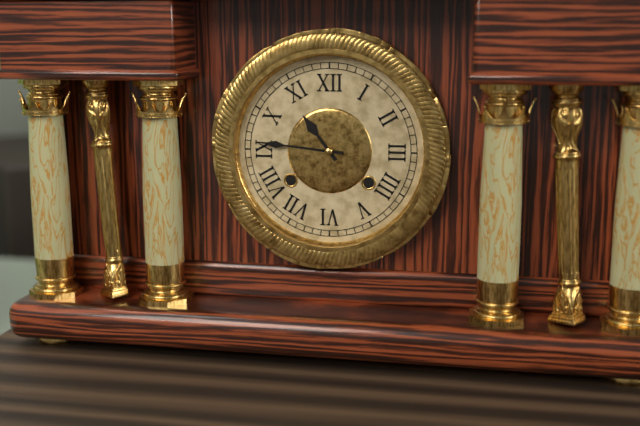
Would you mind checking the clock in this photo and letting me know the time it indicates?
10:46
